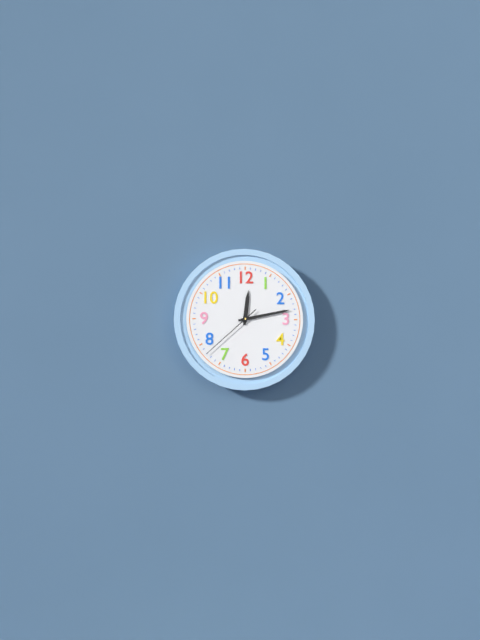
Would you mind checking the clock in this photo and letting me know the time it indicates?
12:13:38
